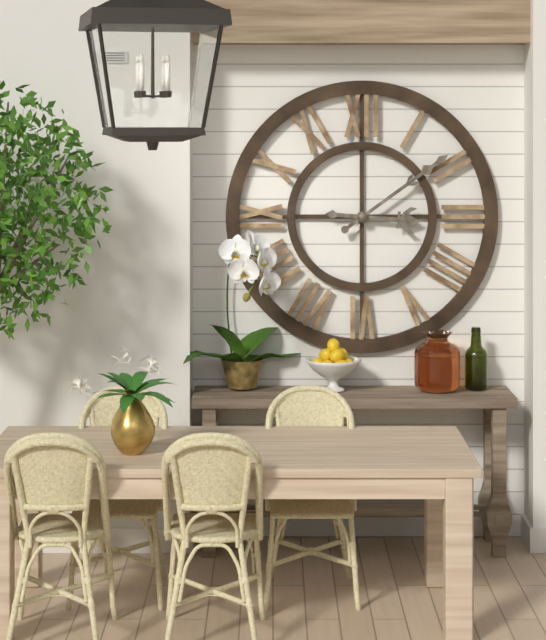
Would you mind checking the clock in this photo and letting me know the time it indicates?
3:09
